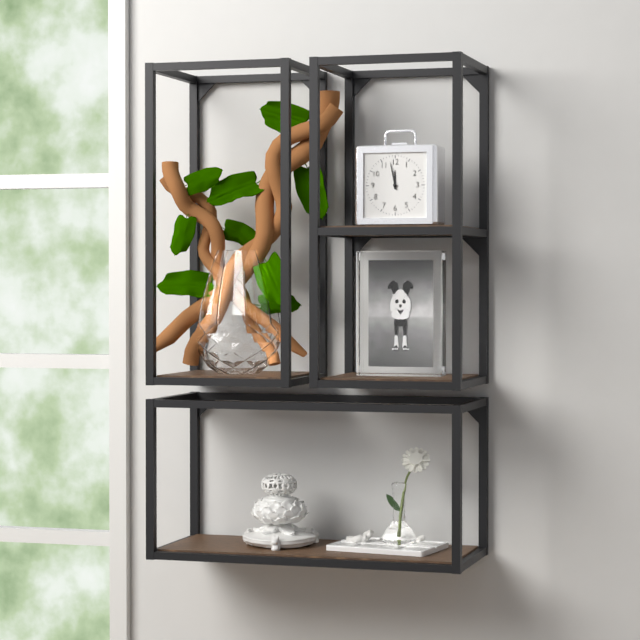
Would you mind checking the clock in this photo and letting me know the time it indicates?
11:58
